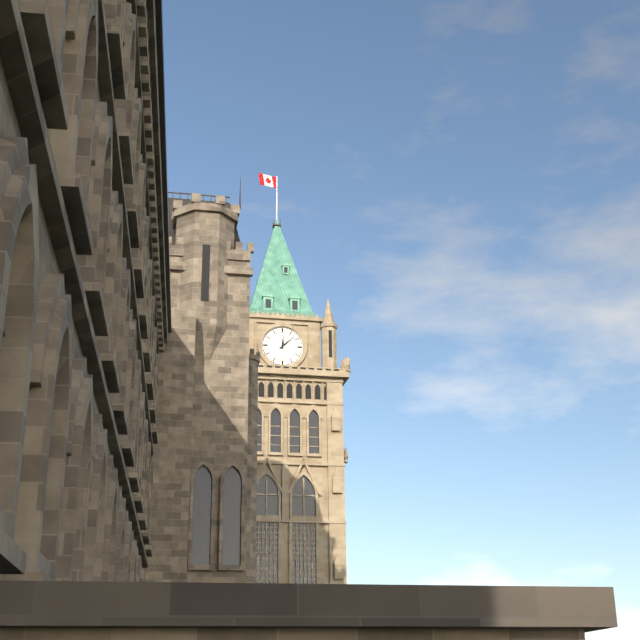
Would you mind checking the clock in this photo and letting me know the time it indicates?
12:08
